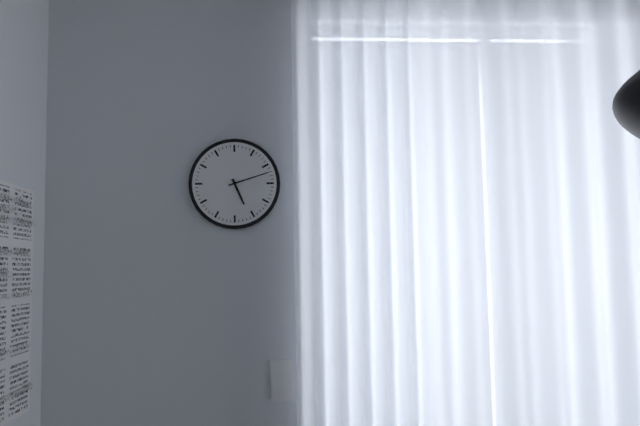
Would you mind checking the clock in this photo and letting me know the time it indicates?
5:12
